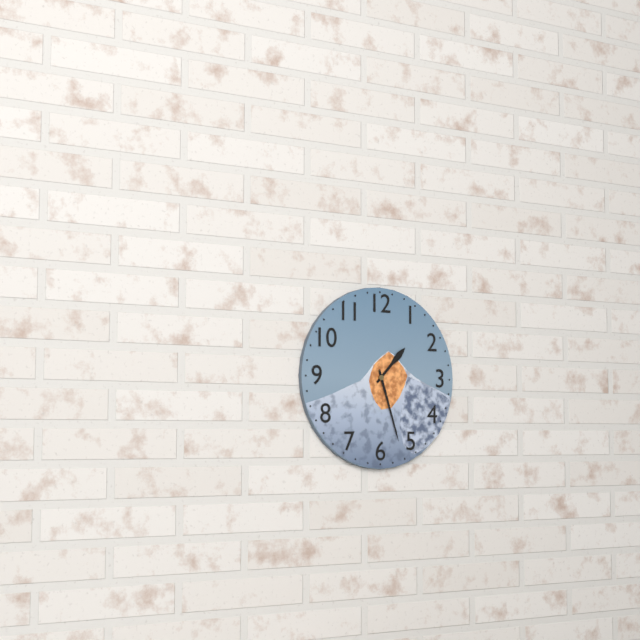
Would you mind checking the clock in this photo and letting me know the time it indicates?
1:27
